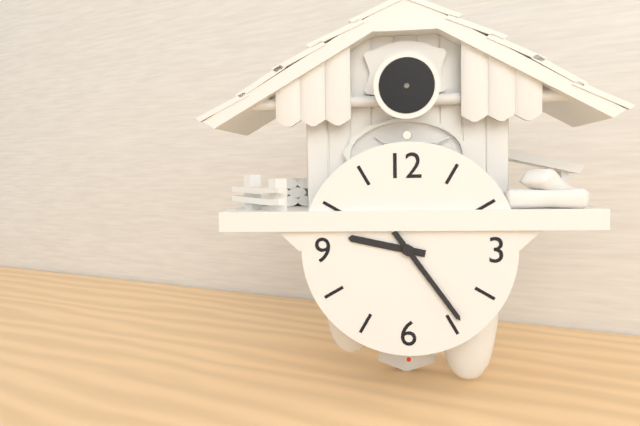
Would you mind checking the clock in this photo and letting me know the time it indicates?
9:24
